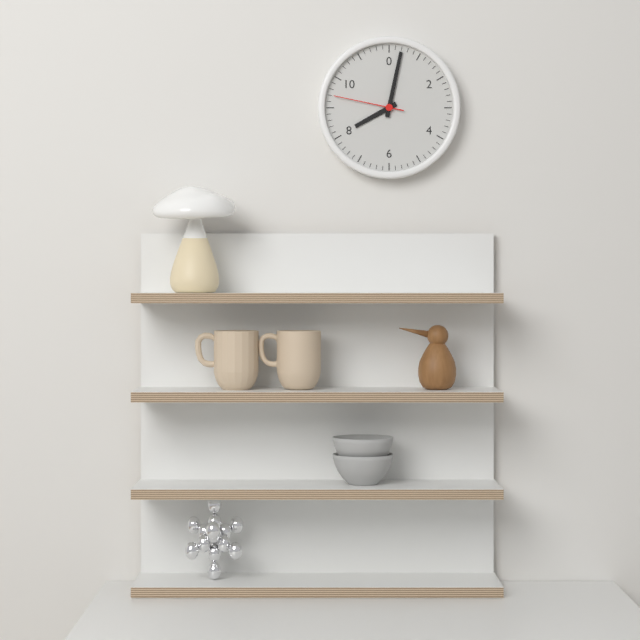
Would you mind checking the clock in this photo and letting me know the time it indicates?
8:02:47
